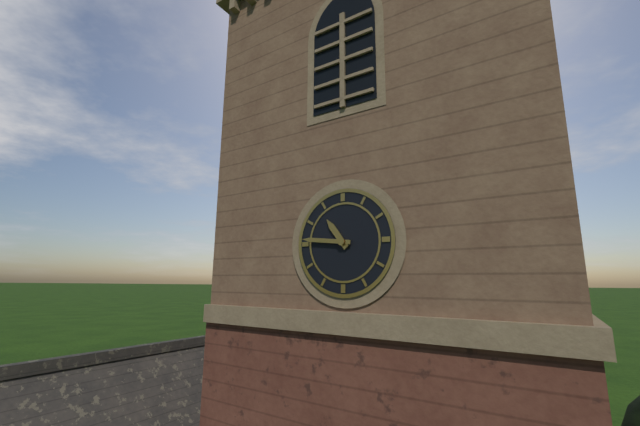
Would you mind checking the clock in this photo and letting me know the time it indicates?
10:46
